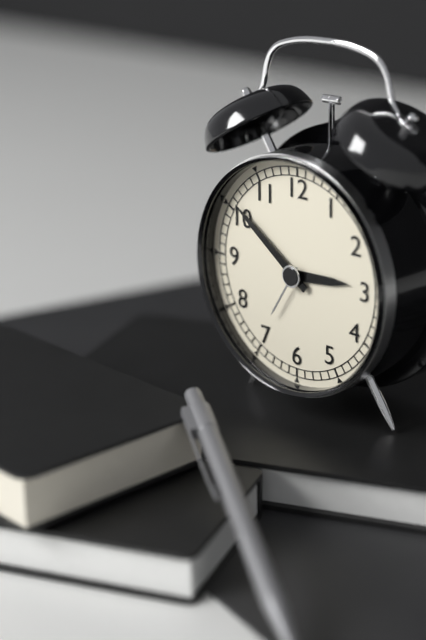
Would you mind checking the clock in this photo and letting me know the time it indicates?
2:51
